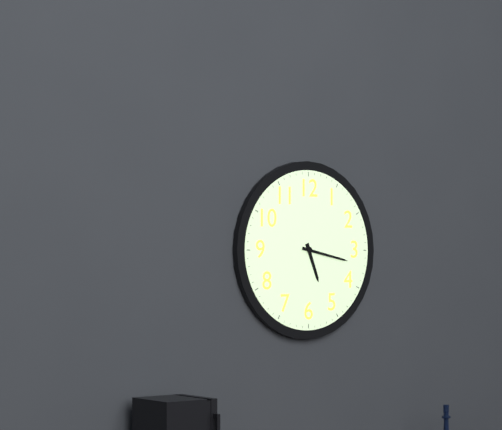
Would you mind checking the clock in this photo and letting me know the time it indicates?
5:17
